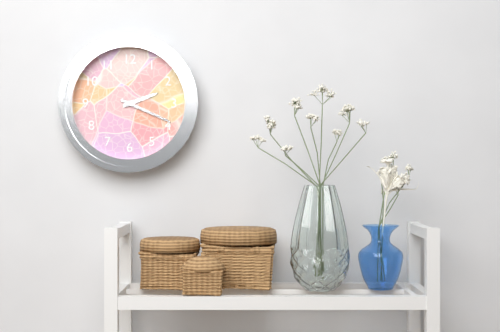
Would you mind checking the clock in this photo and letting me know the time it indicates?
2:19
